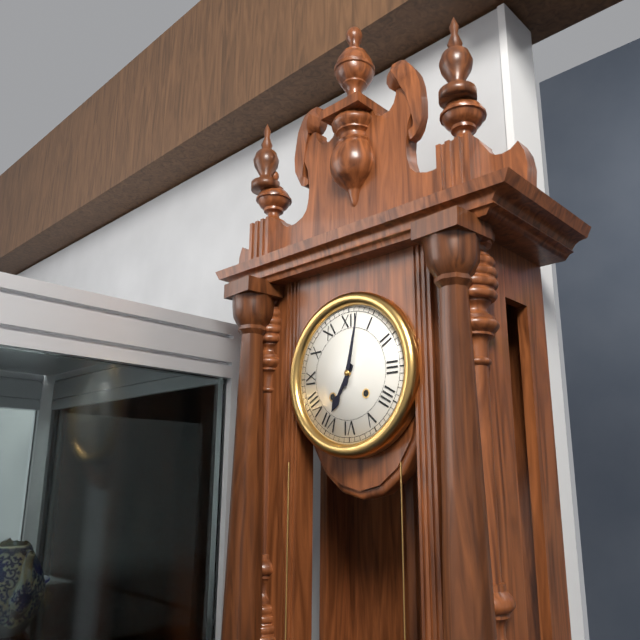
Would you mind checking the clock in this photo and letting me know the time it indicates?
7:02
